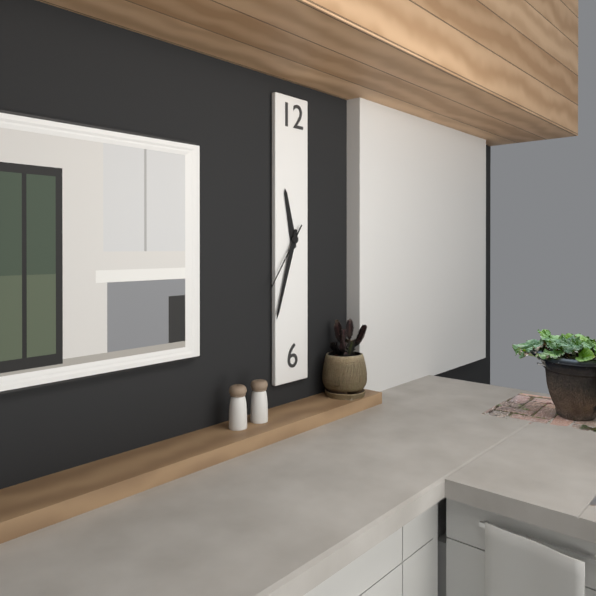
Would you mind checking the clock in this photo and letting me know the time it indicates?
11:33:36
